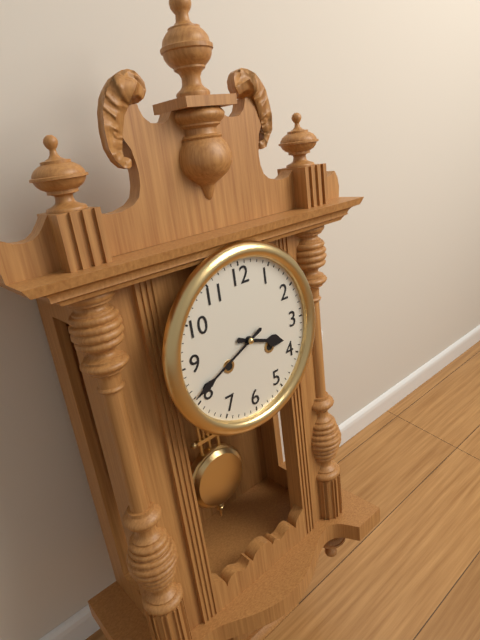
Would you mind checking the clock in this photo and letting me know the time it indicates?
3:41
